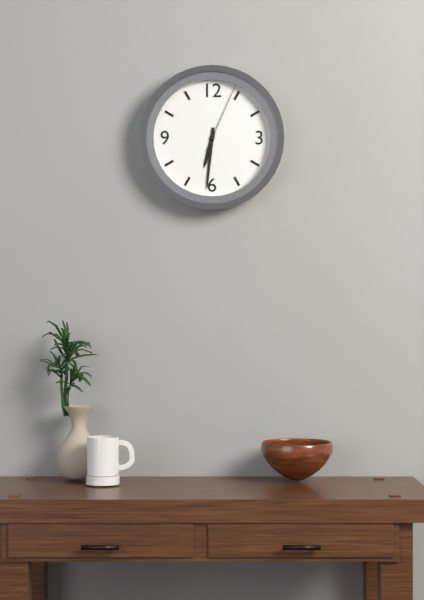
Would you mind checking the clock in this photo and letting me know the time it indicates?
6:31:04
